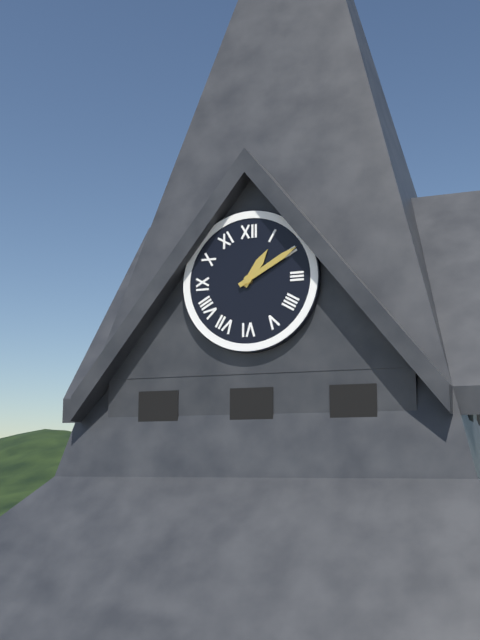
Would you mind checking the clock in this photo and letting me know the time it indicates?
1:10
